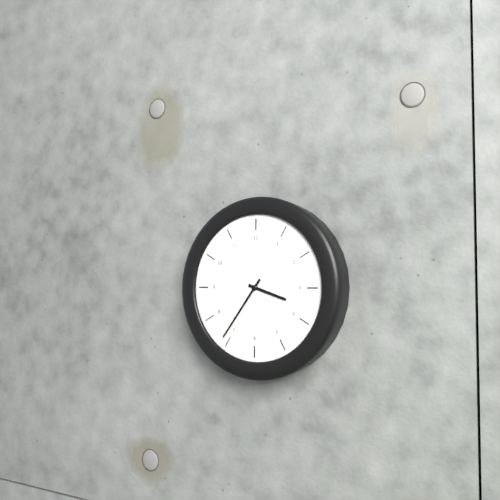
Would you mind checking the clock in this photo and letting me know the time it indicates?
3:36
